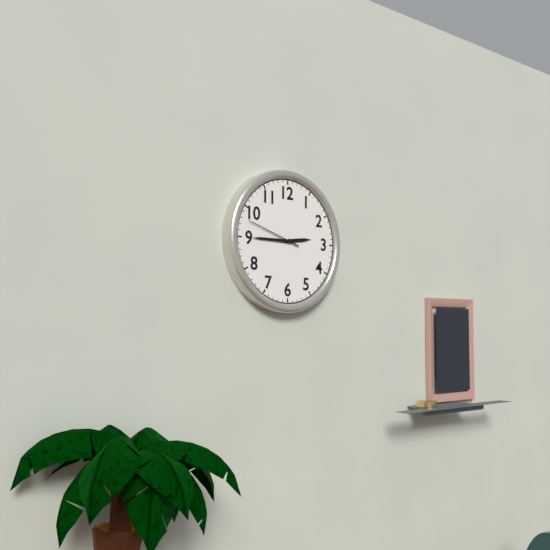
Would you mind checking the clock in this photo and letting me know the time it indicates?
2:45:48
